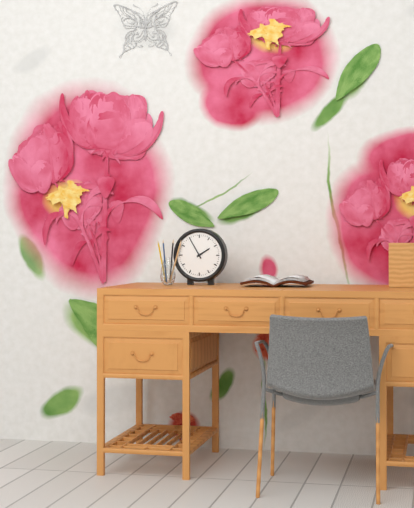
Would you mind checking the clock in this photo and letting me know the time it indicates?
1:55
